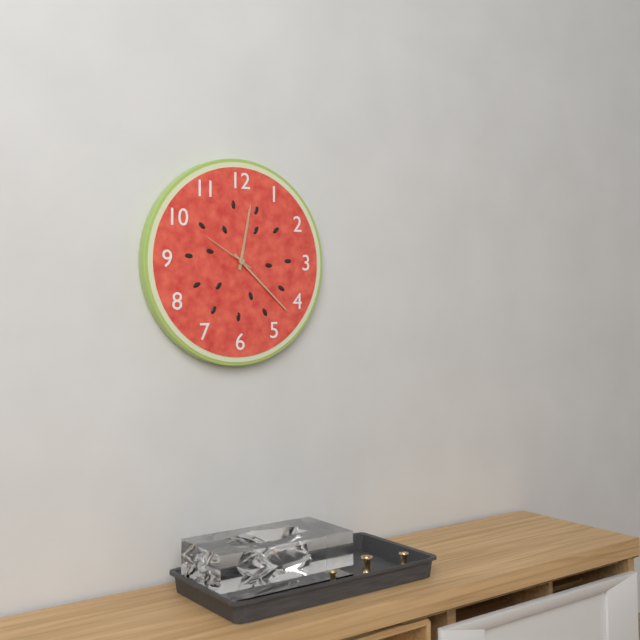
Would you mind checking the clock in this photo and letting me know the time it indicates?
12:22:50
